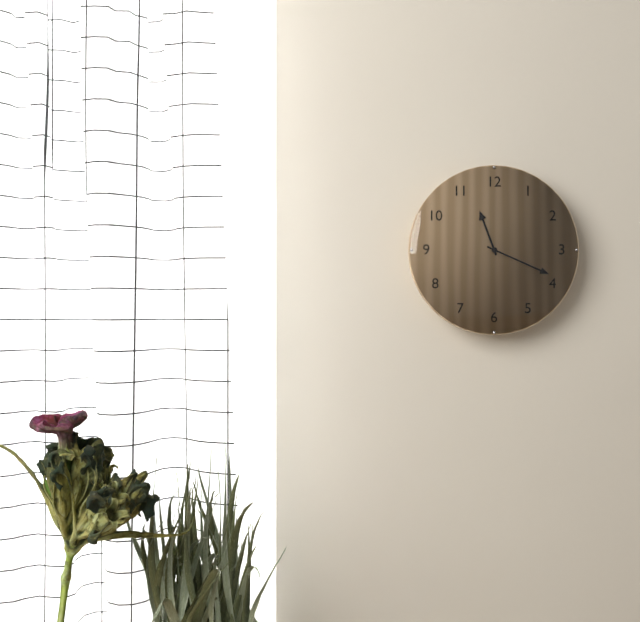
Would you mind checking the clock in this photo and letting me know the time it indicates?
11:19
